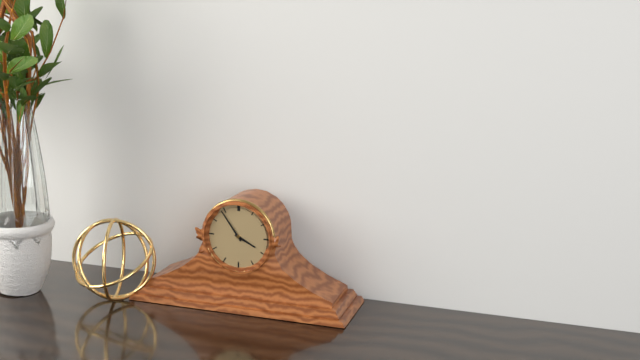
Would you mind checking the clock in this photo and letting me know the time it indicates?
3:54
